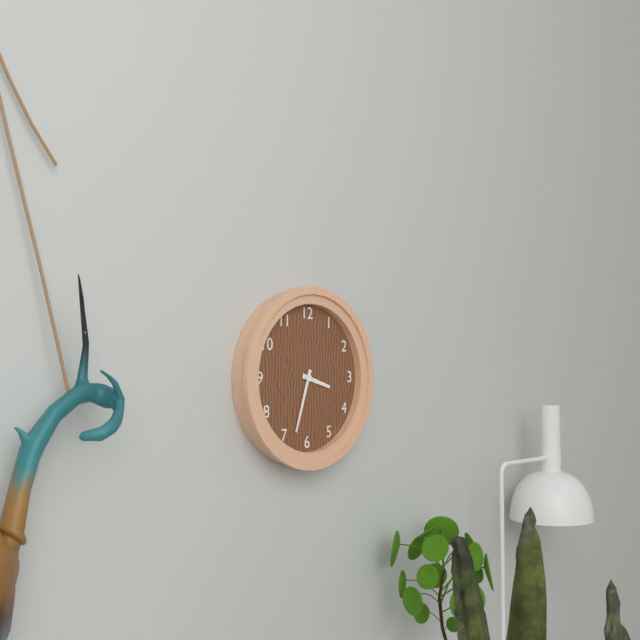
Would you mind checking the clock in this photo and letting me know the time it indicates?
3:33
